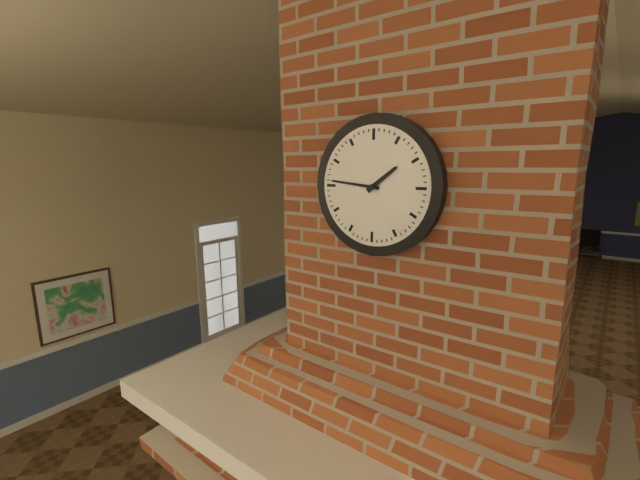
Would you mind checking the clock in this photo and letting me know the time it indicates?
1:46
